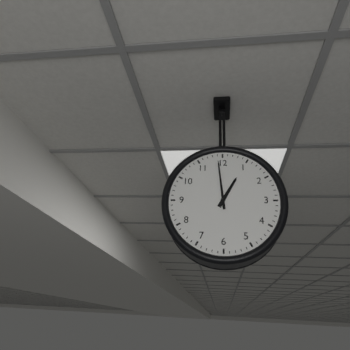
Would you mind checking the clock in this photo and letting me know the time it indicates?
12:59
